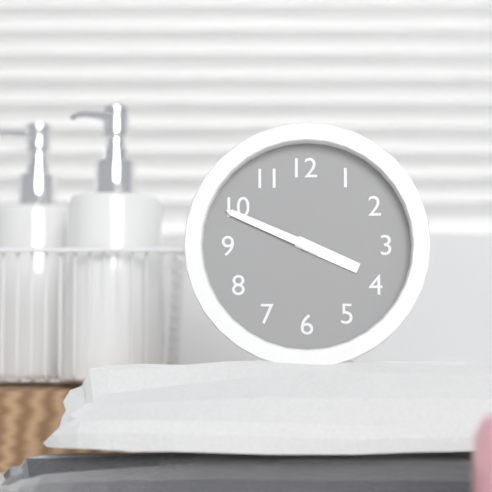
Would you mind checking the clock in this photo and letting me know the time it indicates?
3:49
